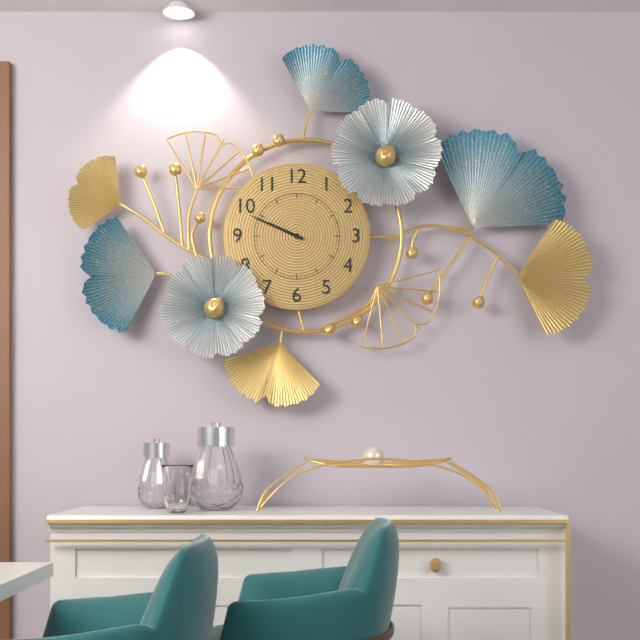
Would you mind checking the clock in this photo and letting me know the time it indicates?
9:49
